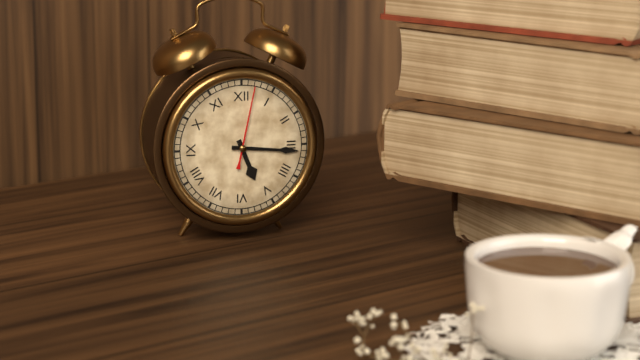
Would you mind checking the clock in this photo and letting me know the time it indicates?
5:16:02
